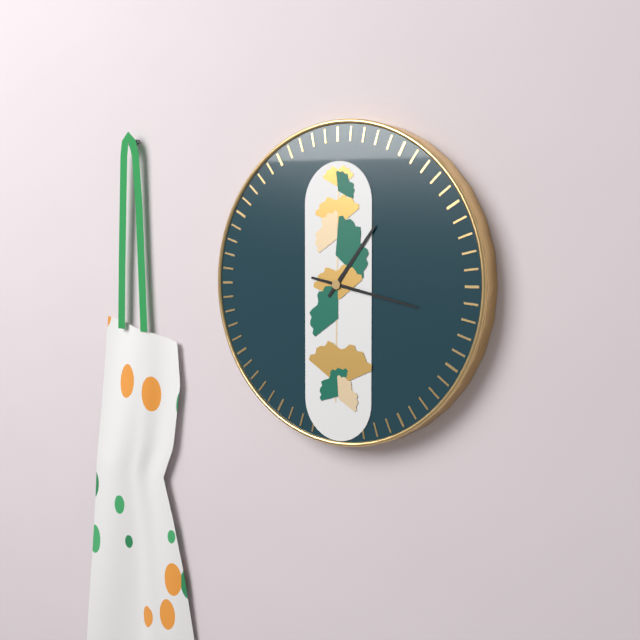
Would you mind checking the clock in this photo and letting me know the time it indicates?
1:17
